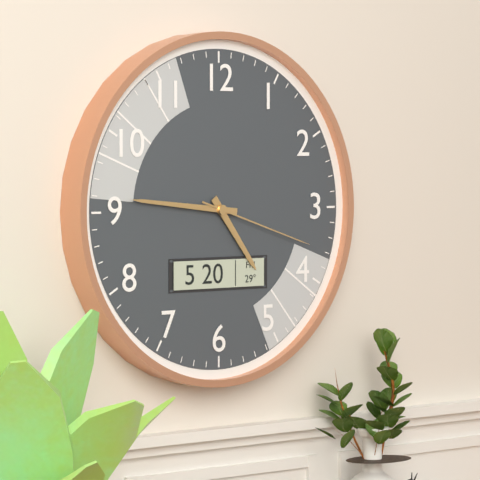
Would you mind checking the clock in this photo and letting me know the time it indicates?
4:46:18
